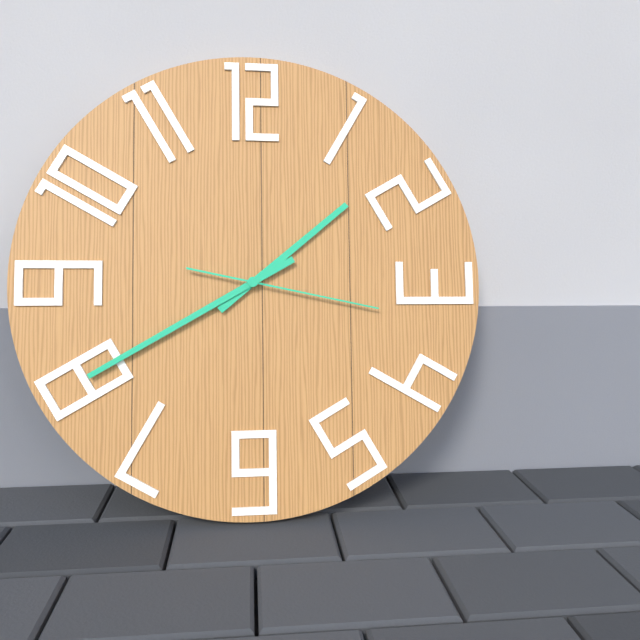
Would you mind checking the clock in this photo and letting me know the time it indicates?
1:40:17
